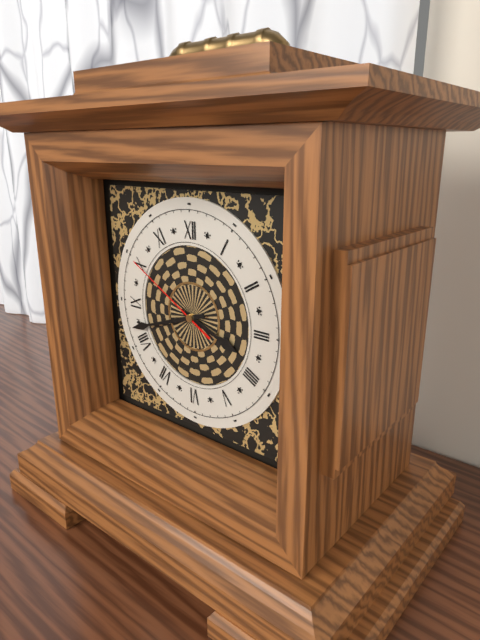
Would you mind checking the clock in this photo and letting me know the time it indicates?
3:42:50
